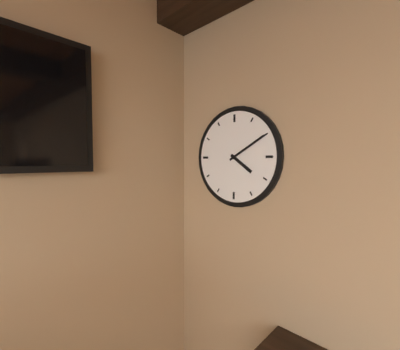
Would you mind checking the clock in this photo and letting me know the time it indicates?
4:10
